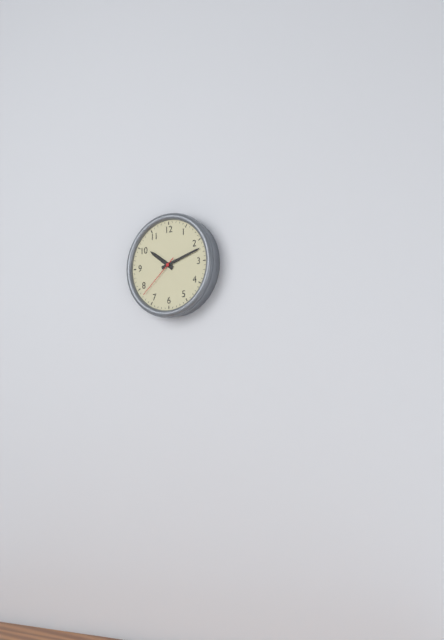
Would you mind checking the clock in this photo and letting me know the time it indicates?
10:12
